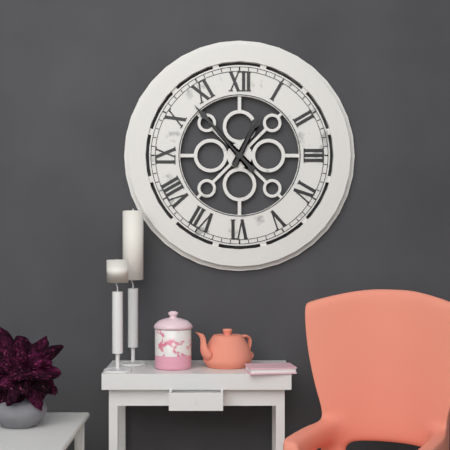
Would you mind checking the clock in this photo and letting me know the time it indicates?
12:53
